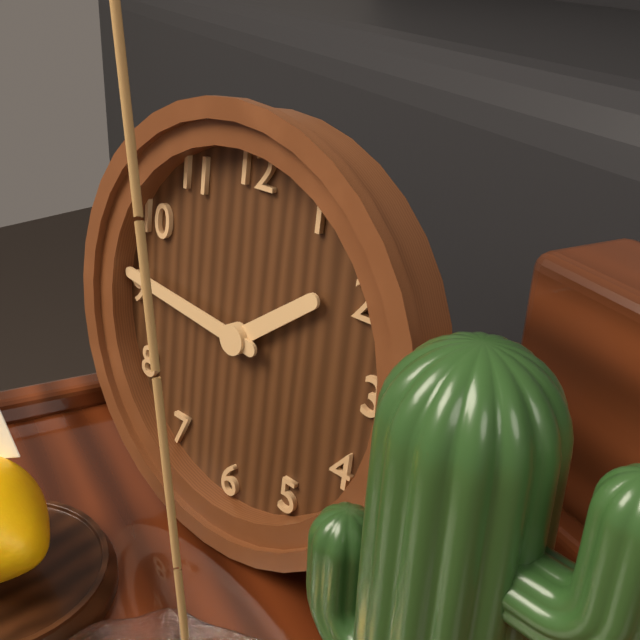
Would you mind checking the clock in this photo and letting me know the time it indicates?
1:46
